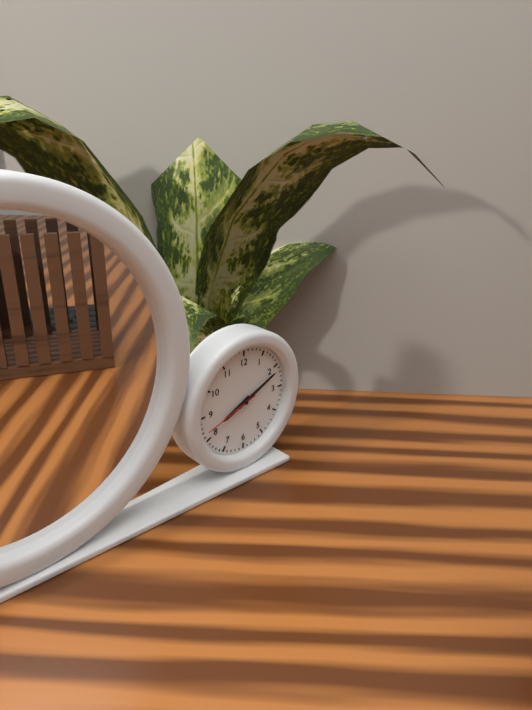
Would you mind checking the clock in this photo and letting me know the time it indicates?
8:11:42
